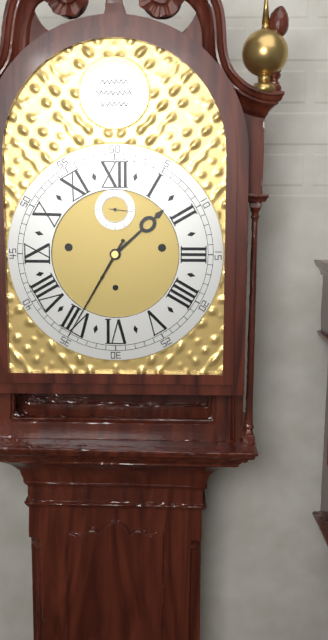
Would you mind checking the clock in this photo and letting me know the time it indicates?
1:35
